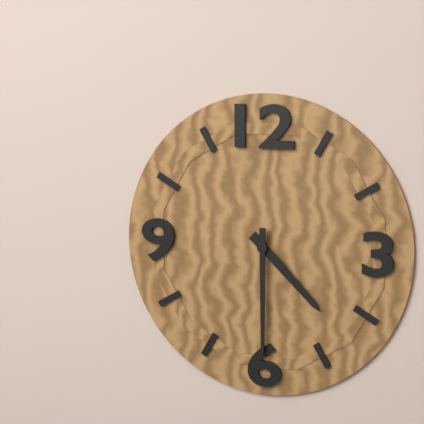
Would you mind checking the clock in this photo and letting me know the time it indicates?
4:30
